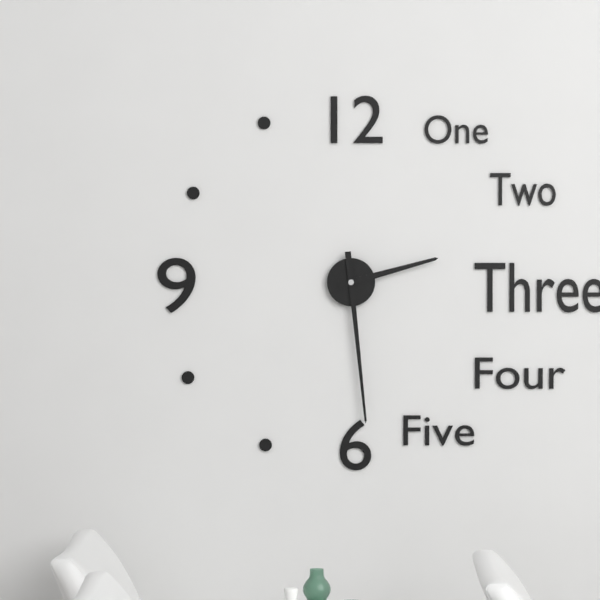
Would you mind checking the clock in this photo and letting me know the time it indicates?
2:29
